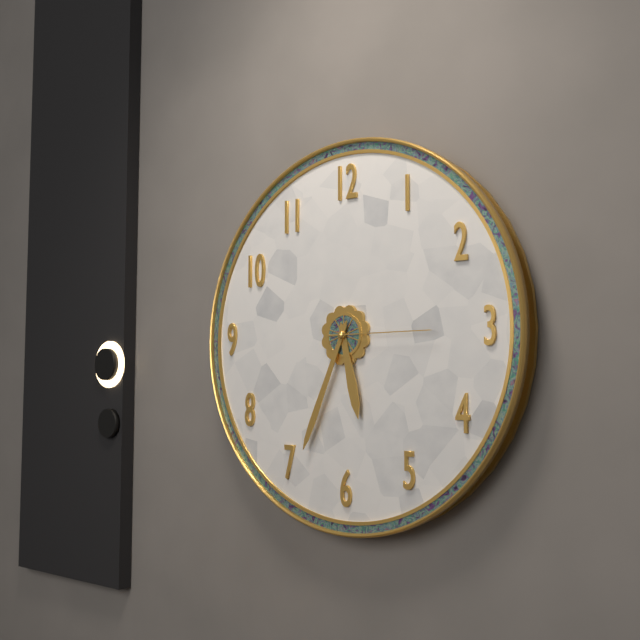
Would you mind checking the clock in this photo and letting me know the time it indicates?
5:34:15
